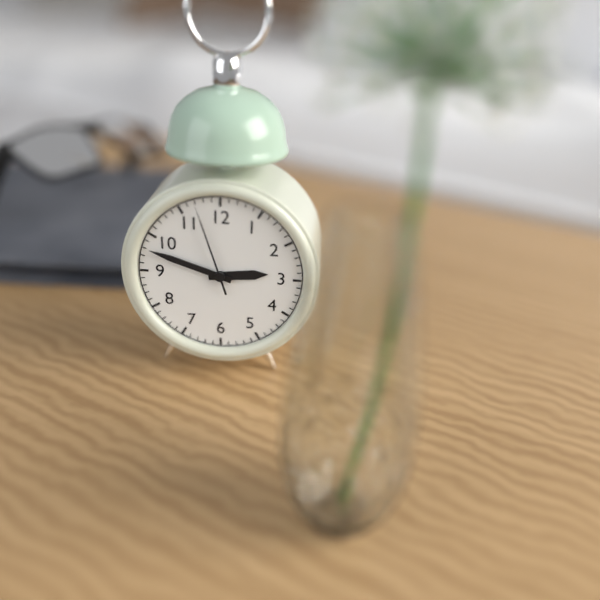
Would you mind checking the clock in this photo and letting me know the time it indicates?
2:48:57
